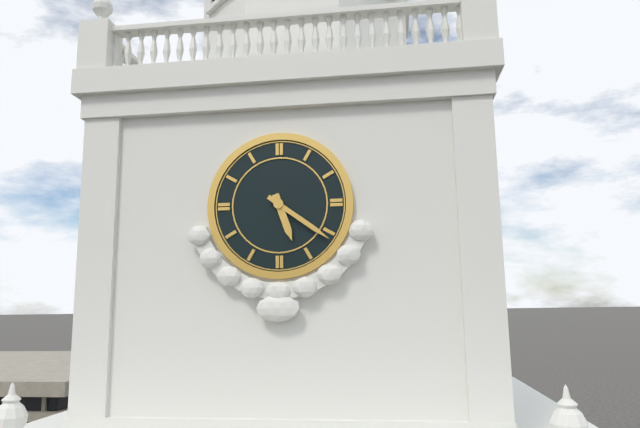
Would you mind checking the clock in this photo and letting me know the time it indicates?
5:21
